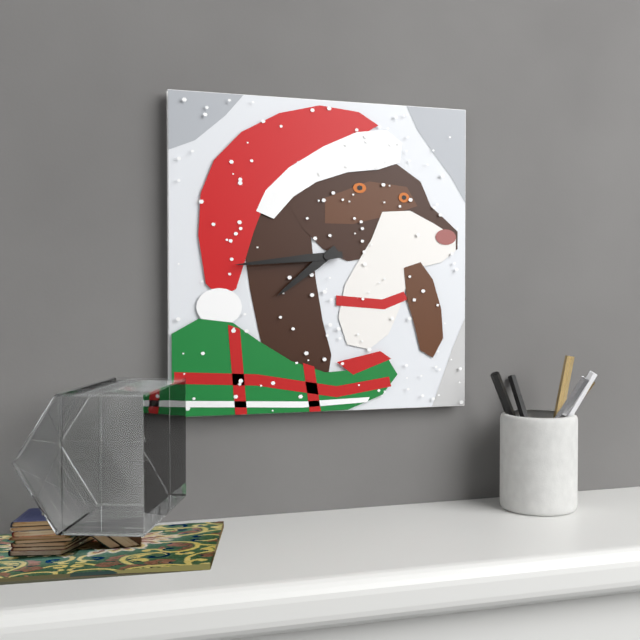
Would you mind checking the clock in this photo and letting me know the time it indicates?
7:44
